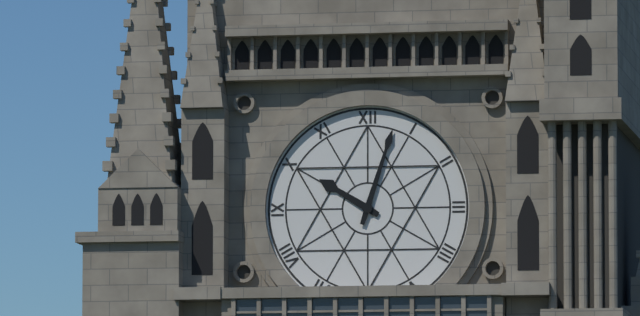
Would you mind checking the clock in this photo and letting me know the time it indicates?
10:03
